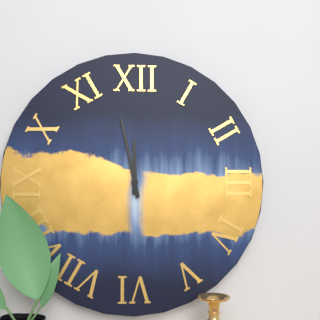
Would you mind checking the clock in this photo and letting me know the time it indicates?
11:58
